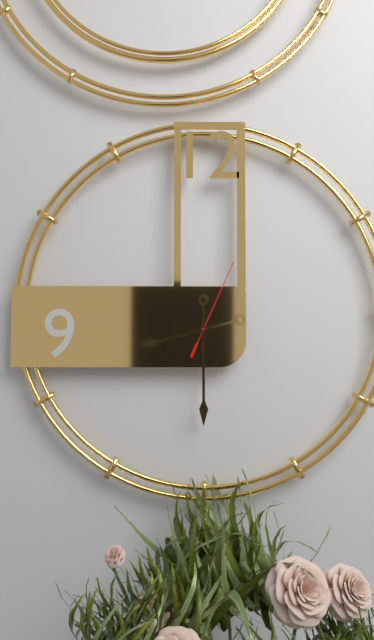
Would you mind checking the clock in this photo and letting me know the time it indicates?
8:30:04
